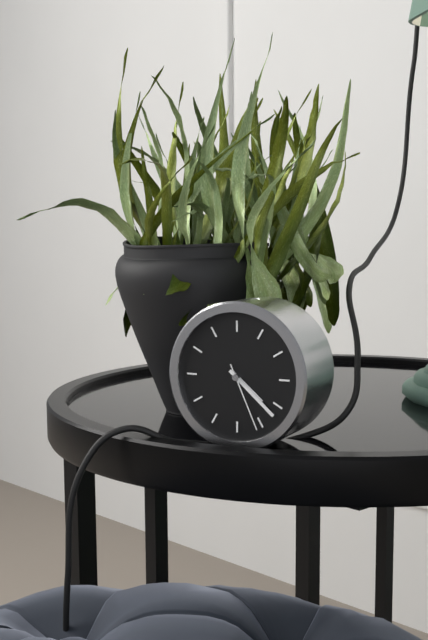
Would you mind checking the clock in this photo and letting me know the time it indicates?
4:22:26
